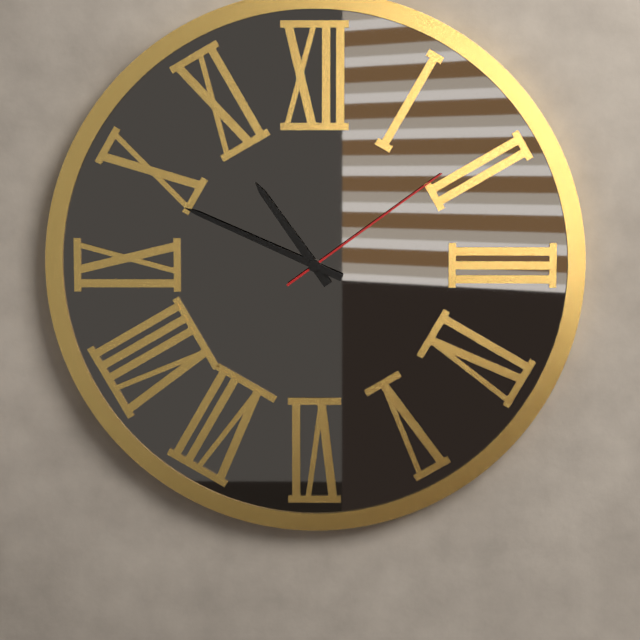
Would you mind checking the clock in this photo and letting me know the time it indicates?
10:49:09
